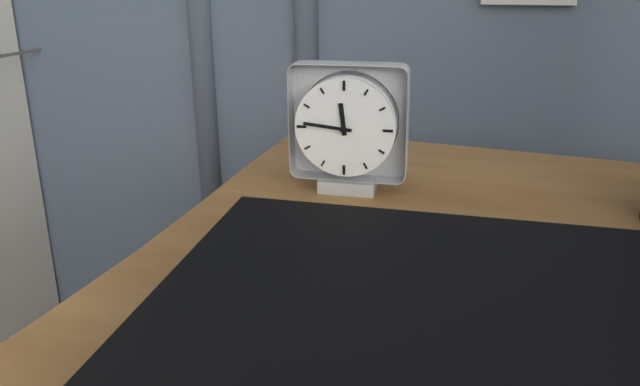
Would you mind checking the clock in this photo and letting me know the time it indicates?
11:46
